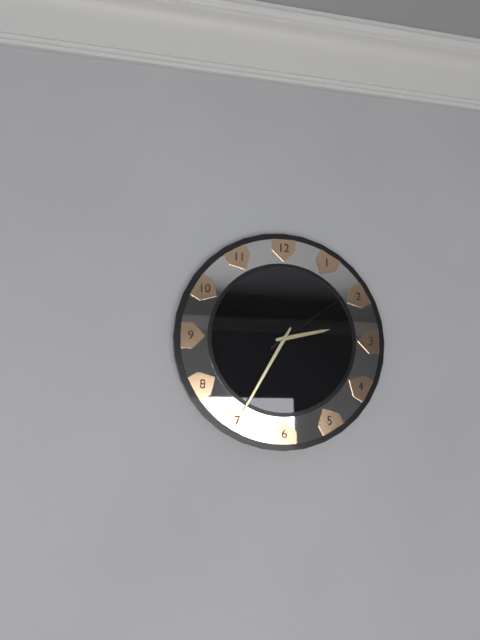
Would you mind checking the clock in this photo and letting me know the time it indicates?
2:35:09
